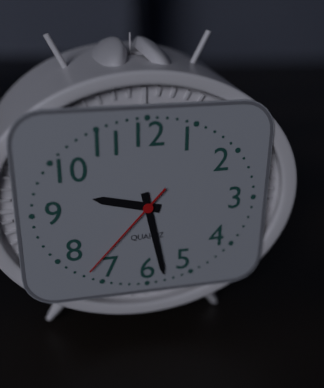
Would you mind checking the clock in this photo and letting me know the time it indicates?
9:28:37
